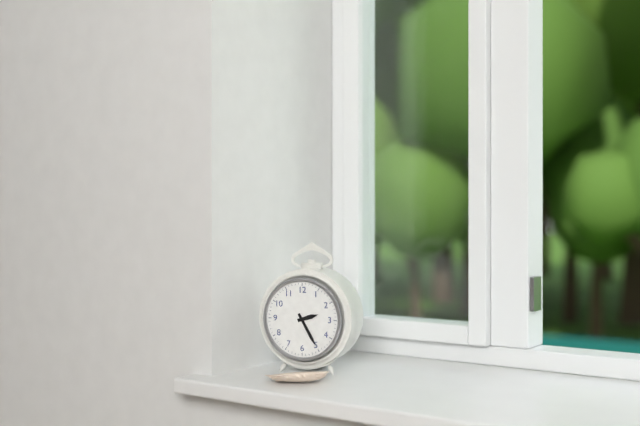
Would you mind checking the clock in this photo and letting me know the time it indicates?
2:25
